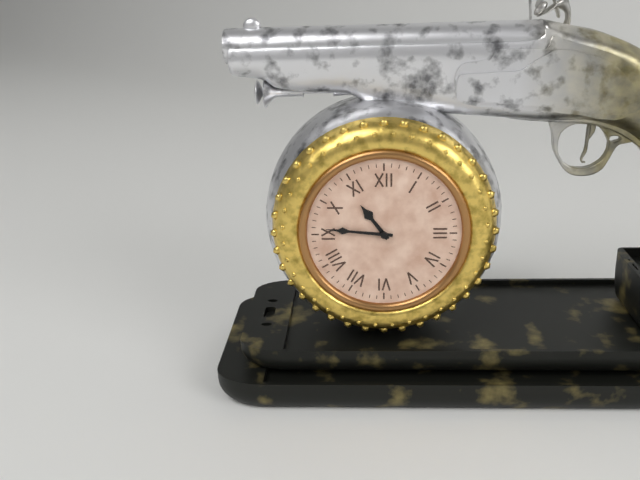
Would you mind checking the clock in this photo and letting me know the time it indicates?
10:46
